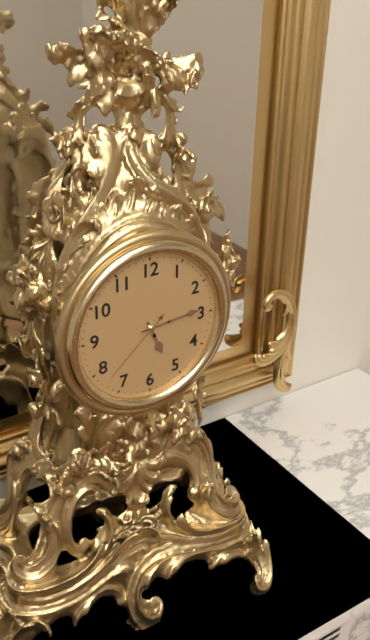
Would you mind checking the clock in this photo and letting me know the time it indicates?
5:14:38
